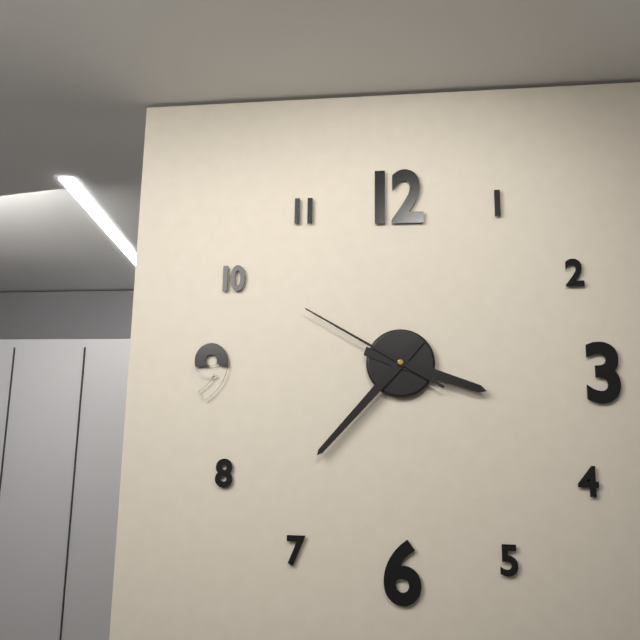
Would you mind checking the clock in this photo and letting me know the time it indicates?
3:37:50
